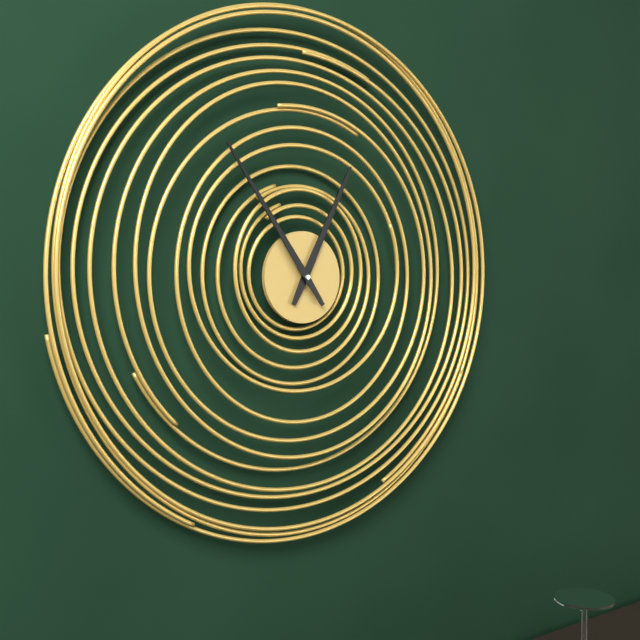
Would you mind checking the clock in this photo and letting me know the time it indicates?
12:54
